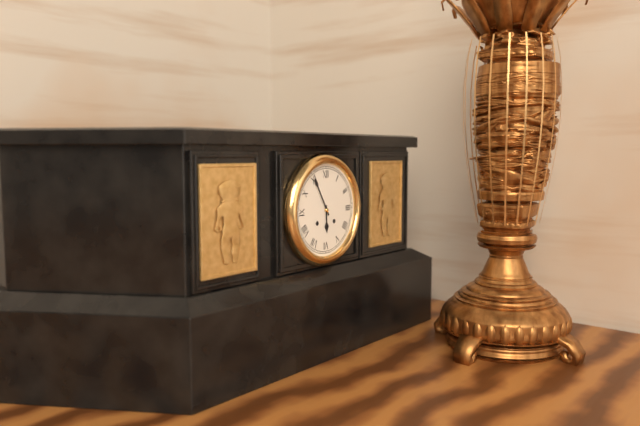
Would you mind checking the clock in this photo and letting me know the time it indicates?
5:55
